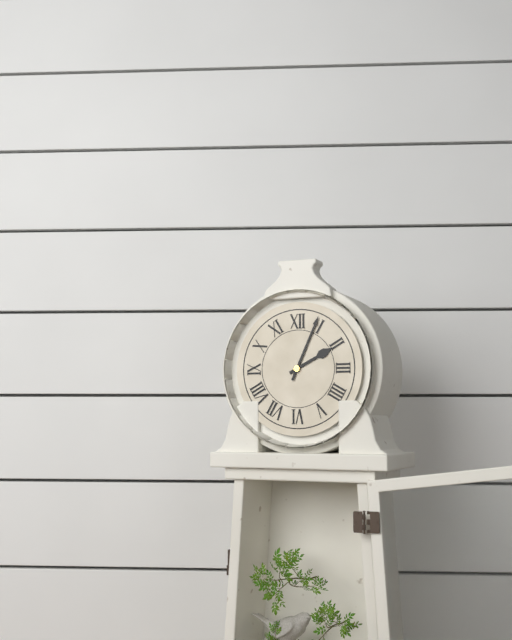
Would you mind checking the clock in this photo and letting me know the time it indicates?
2:04
